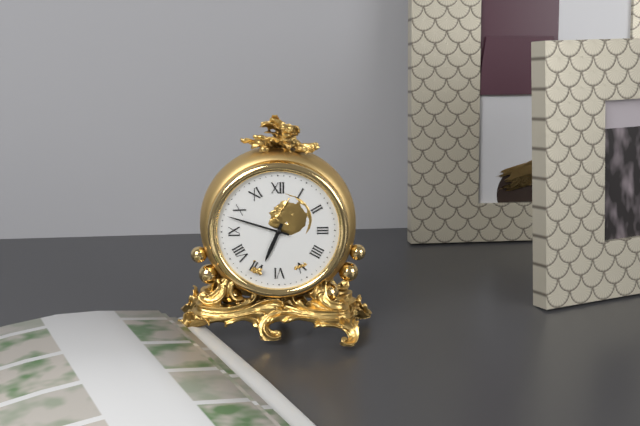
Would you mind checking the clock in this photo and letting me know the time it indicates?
6:48
